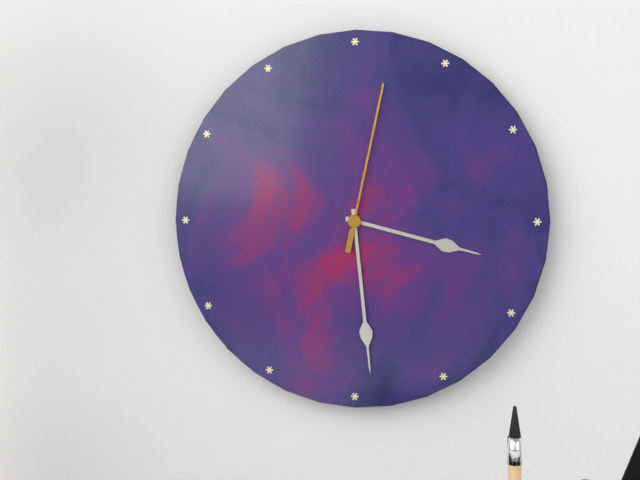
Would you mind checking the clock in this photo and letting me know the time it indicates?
3:29:02
